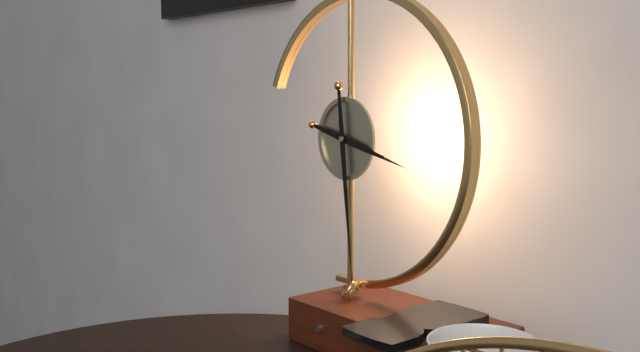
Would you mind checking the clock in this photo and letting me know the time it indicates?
3:29
